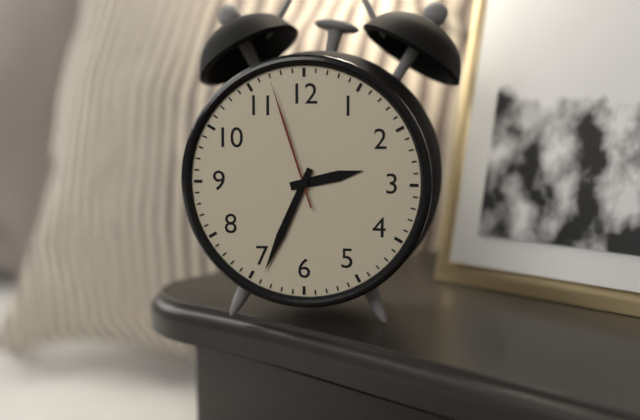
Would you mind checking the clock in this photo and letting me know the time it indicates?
2:34:57
